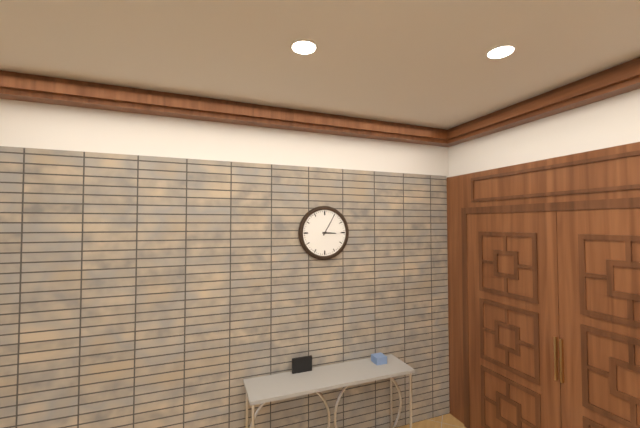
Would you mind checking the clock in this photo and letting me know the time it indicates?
3:05
